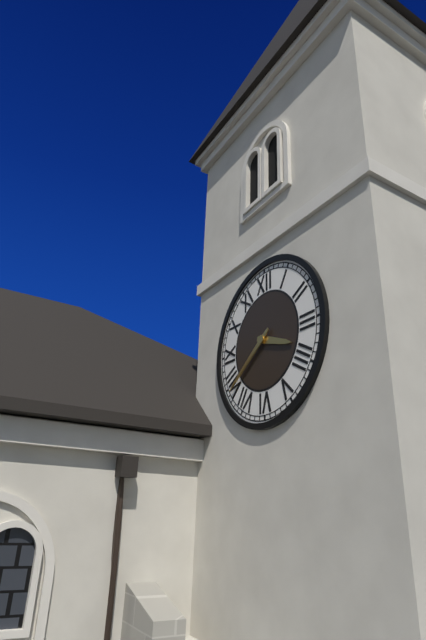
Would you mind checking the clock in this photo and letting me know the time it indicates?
3:39
